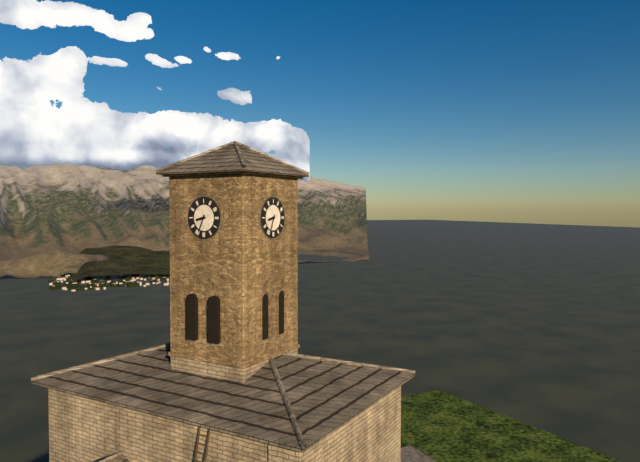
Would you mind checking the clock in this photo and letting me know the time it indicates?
8:34
